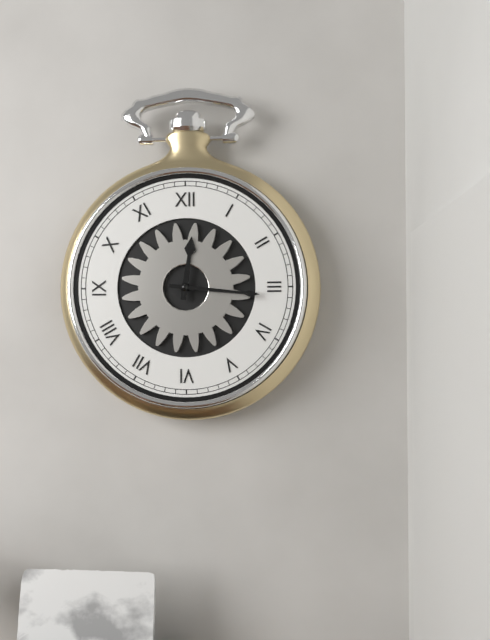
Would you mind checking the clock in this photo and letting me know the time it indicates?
12:16
